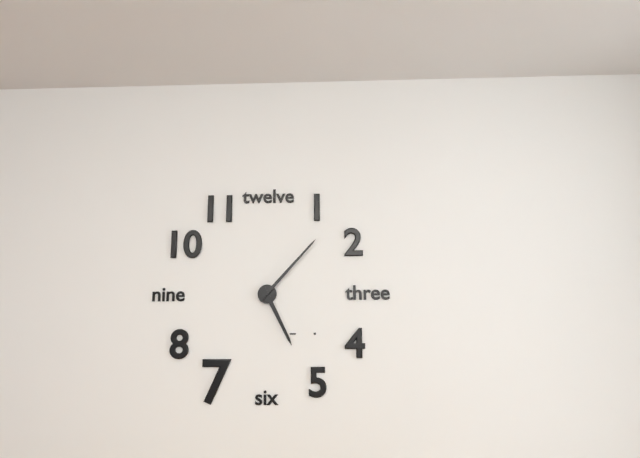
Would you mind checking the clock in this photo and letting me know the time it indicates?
5:07
